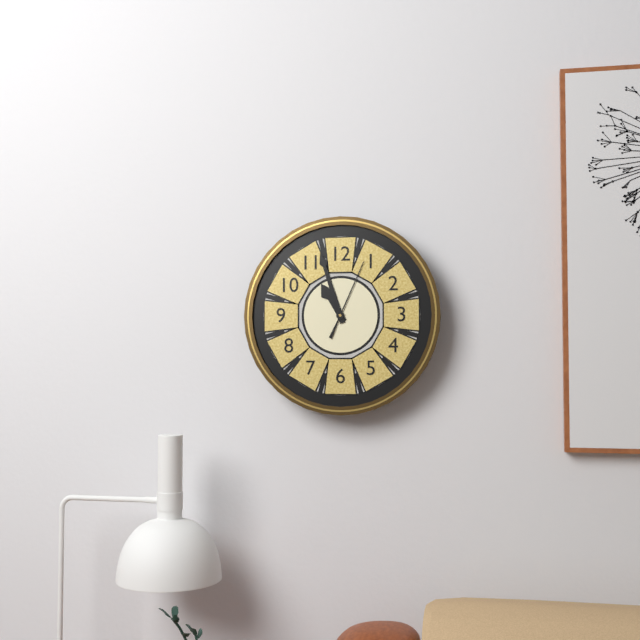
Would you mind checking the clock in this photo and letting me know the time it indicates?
10:57:04
